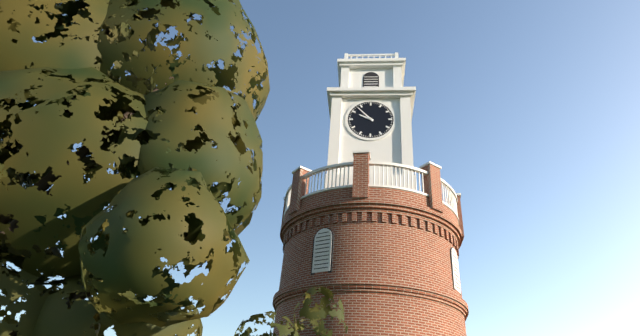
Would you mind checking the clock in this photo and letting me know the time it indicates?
9:53
